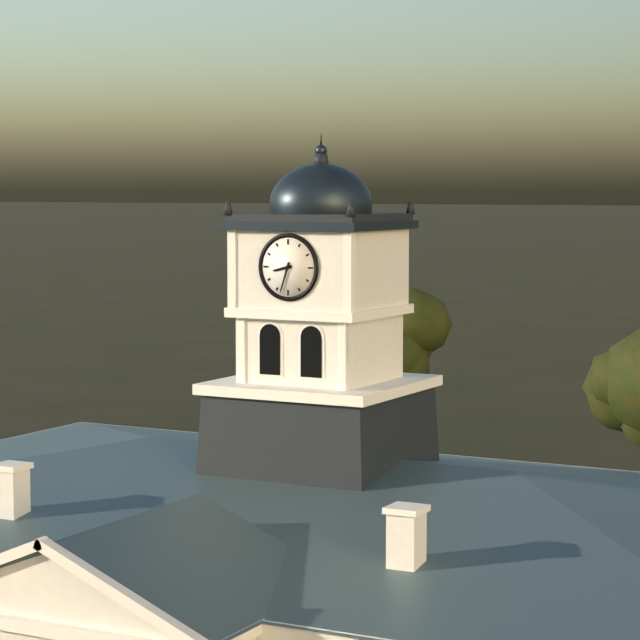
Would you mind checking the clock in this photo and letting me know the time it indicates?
8:33
